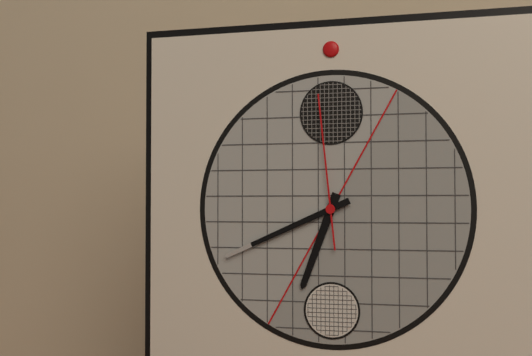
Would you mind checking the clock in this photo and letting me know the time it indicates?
6:41:59
